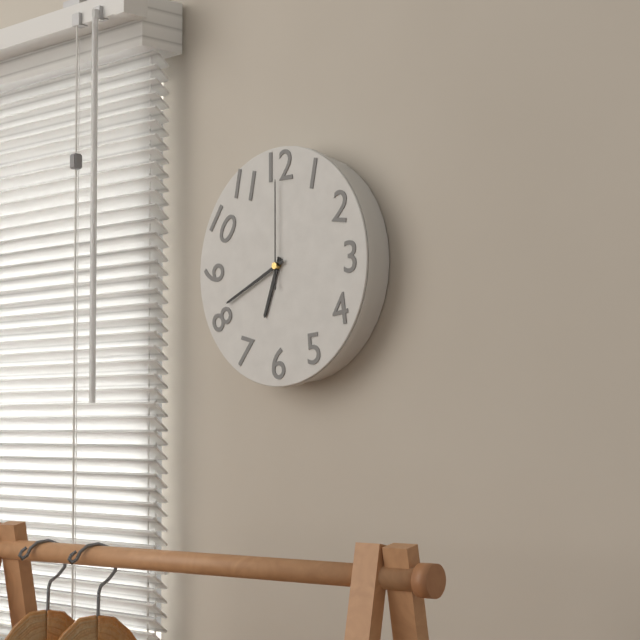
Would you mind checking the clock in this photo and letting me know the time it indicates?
6:41:00
